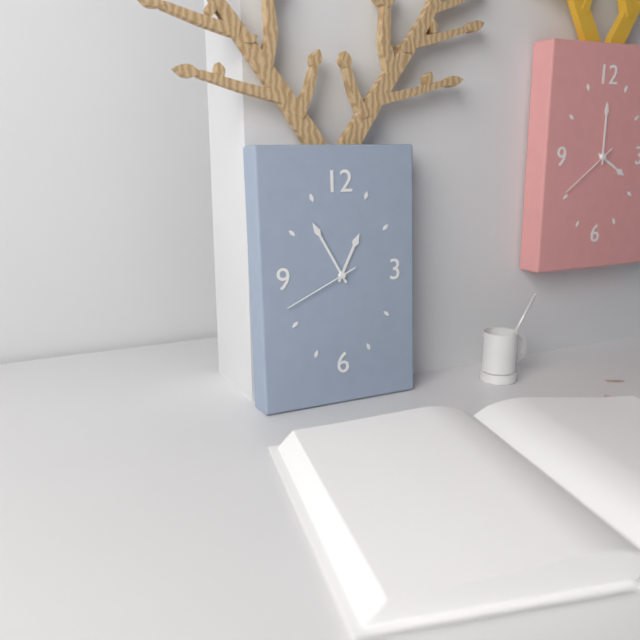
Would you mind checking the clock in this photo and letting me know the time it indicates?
12:55:41
